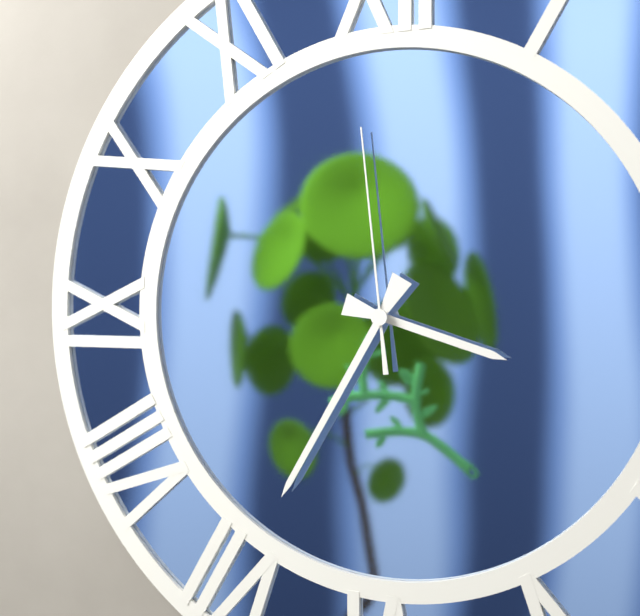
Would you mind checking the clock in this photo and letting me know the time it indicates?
3:35:59
